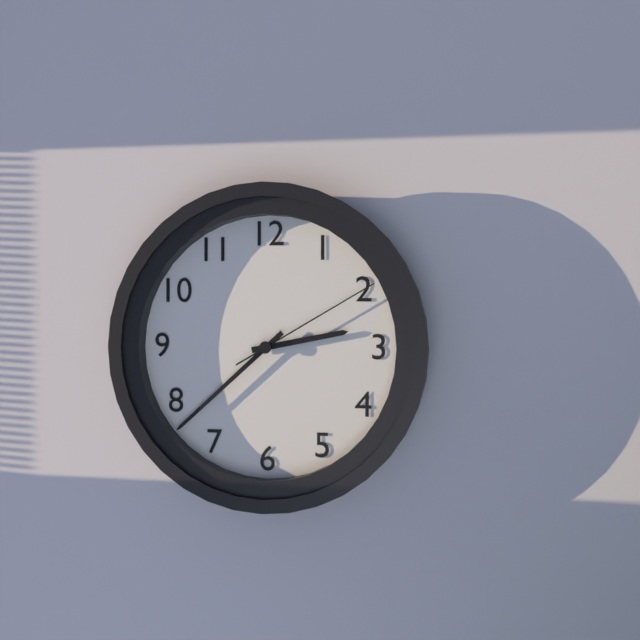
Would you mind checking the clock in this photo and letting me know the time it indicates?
2:38:10
